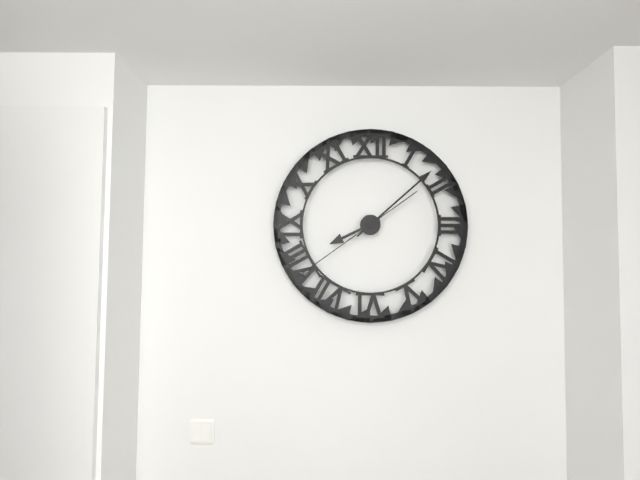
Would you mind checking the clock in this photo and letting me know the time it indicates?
8:08:39
